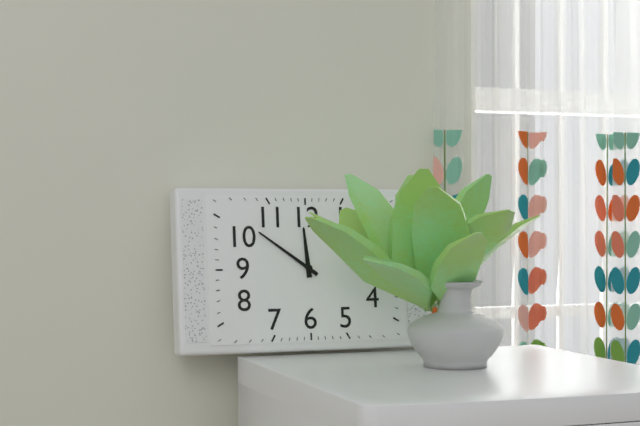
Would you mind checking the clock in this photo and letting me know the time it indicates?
11:51
